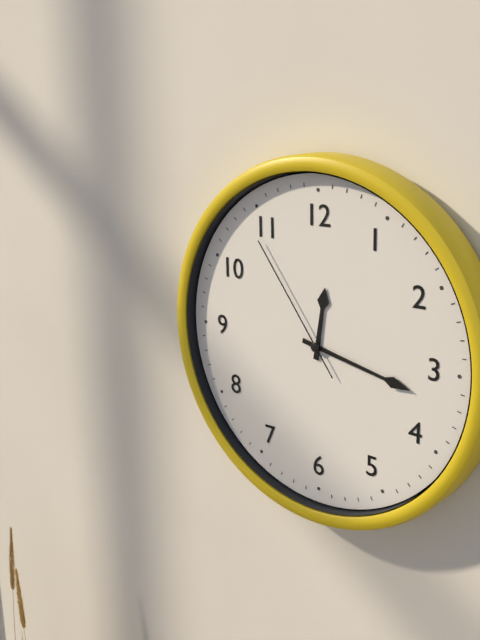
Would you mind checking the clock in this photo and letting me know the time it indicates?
12:17:54
